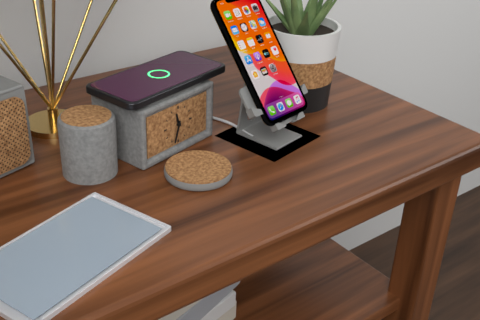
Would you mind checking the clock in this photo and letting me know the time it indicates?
11:33
